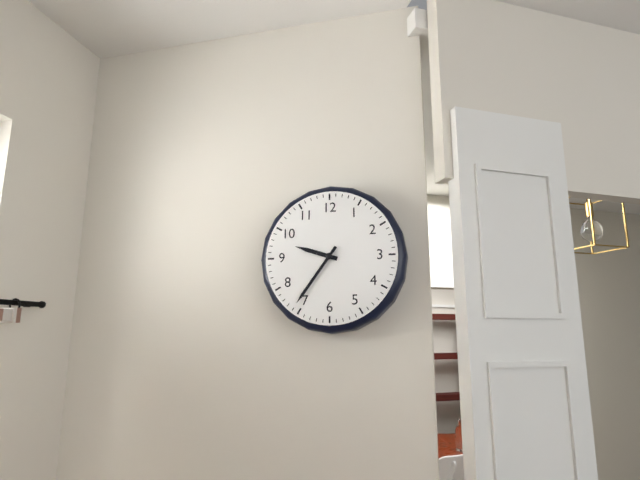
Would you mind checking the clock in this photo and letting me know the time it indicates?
9:36
